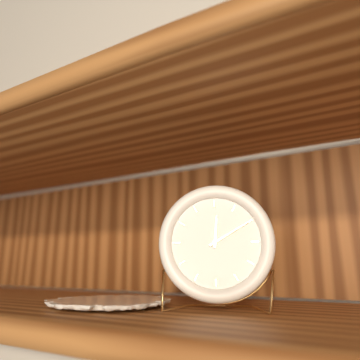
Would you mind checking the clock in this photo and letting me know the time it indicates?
12:10
